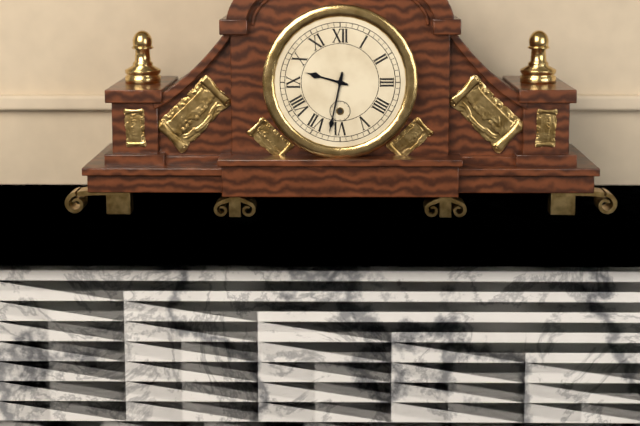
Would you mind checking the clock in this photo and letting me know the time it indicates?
9:32
